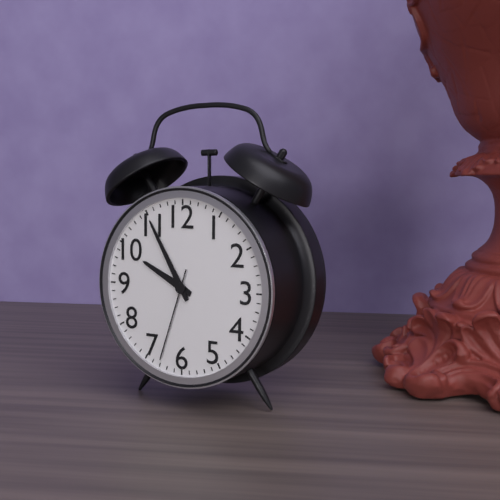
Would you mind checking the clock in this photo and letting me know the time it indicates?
9:55:33
